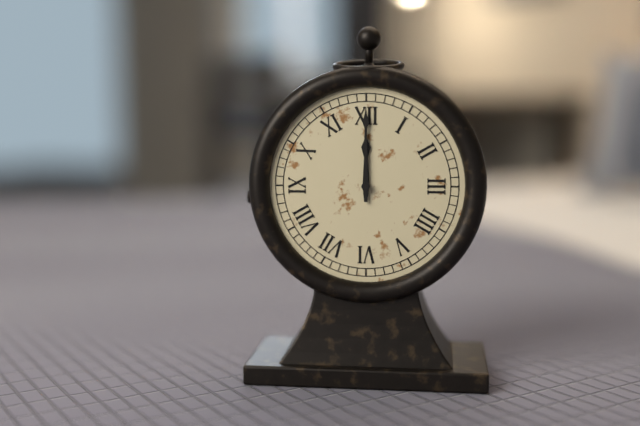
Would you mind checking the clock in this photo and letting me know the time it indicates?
12:00
